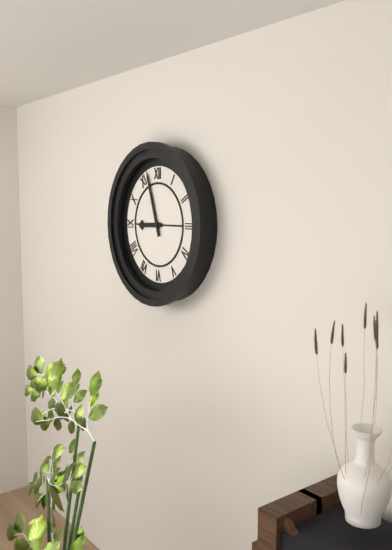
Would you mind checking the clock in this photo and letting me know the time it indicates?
8:57
